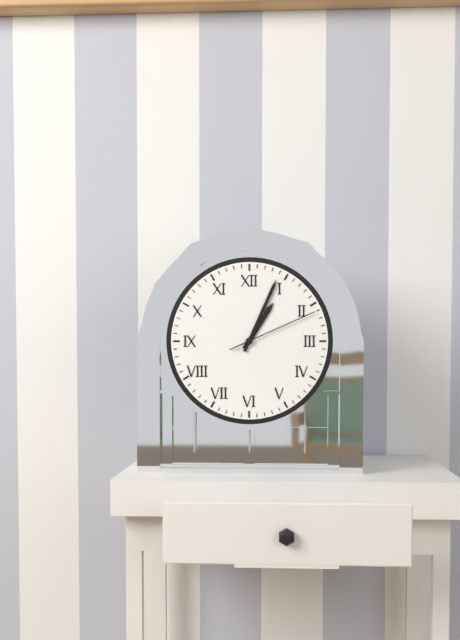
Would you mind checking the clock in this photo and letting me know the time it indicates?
1:04:11
